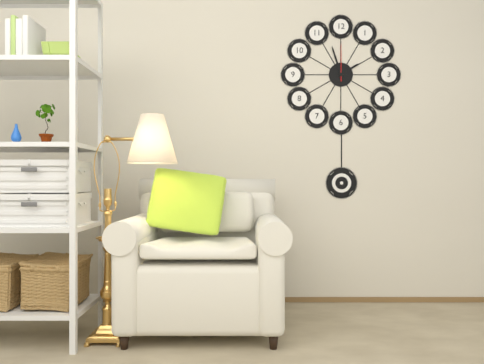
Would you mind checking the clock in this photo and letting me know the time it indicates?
1:57
